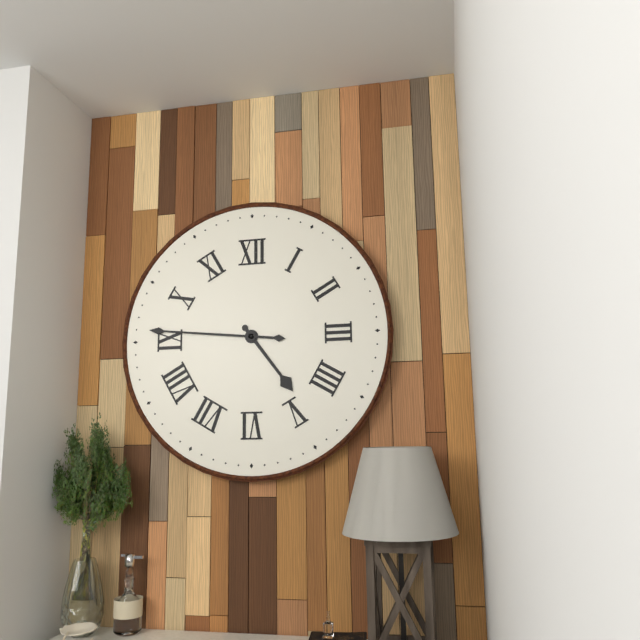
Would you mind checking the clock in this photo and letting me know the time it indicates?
4:46
